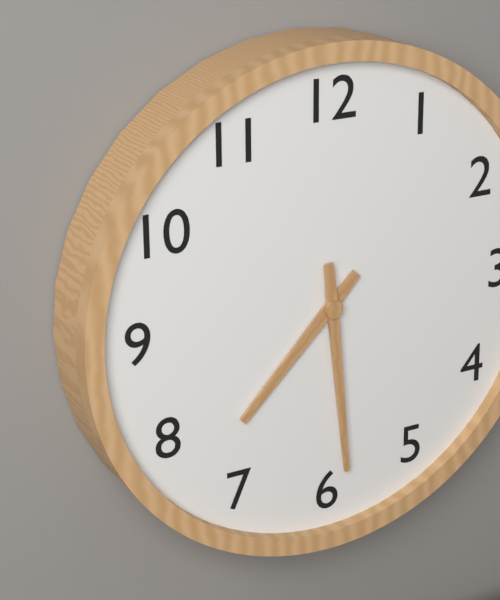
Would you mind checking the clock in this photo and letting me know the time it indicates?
7:29
